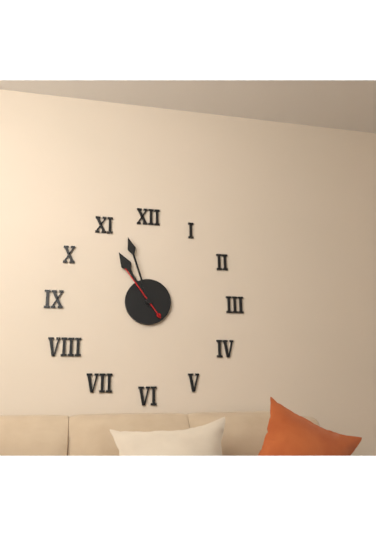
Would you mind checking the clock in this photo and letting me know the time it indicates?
10:57:54
